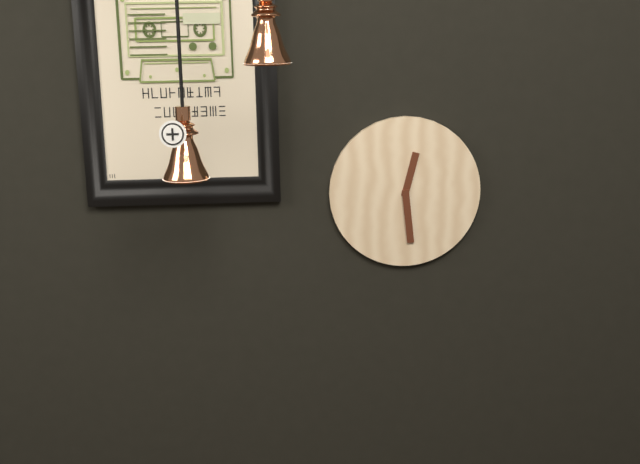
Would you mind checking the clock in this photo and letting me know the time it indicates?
12:29
